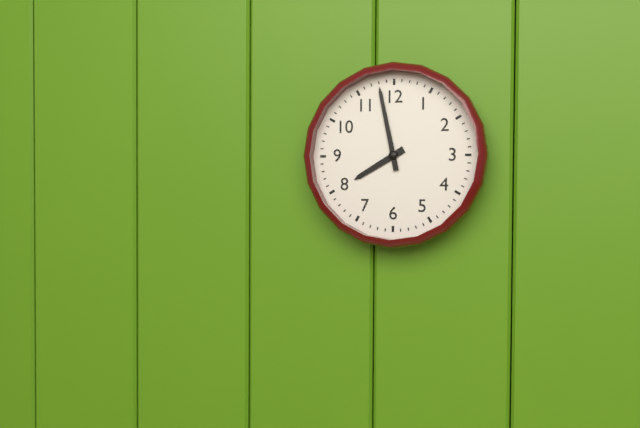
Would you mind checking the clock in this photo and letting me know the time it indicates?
7:58
